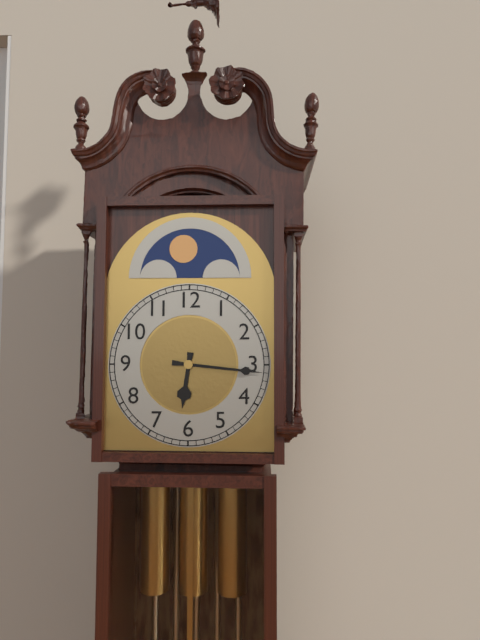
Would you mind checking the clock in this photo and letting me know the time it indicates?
6:16
